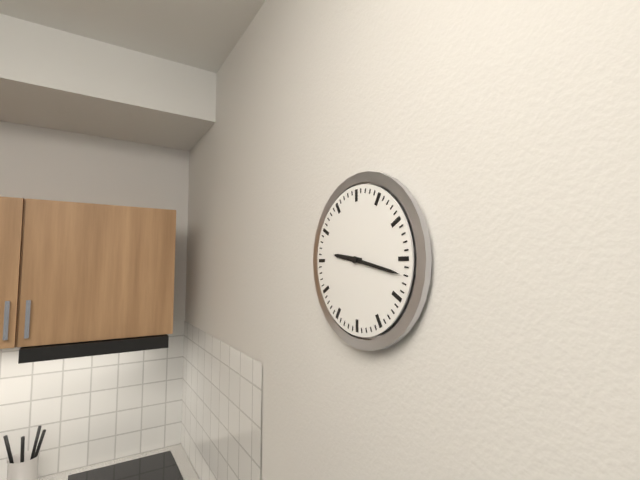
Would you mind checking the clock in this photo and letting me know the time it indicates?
9:17
